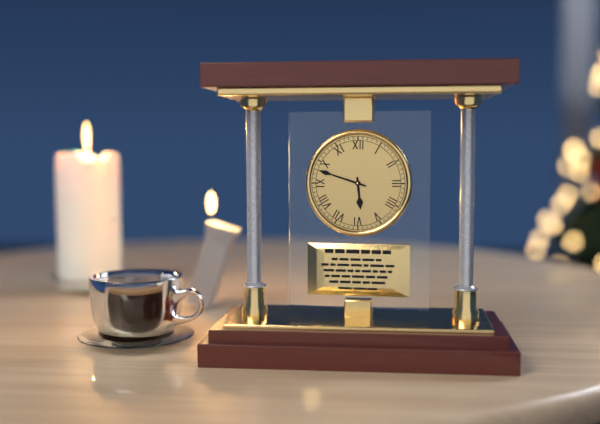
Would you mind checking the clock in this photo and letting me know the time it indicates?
5:48
